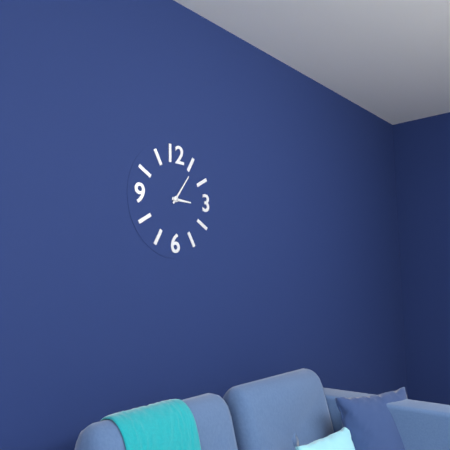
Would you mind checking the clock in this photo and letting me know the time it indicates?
3:06
